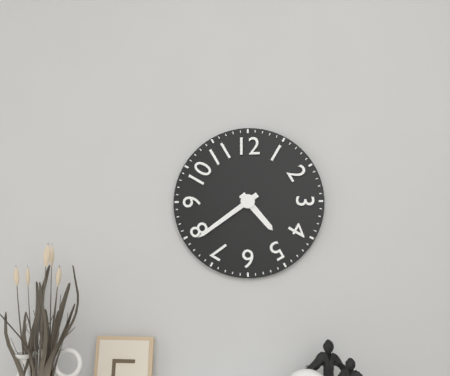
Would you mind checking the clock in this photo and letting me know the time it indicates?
4:39
